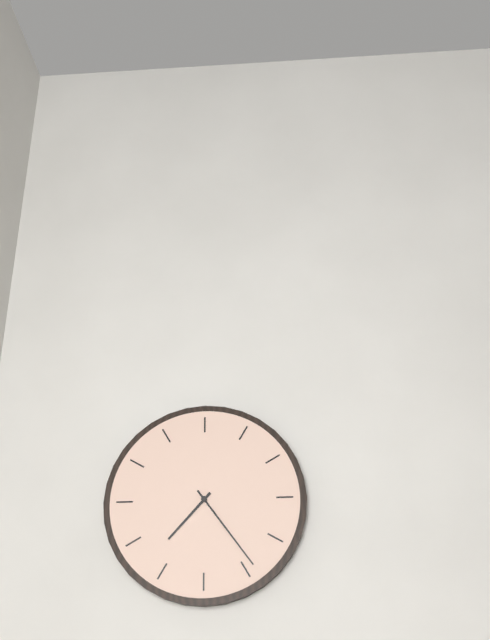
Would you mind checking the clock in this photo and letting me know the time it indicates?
7:24
